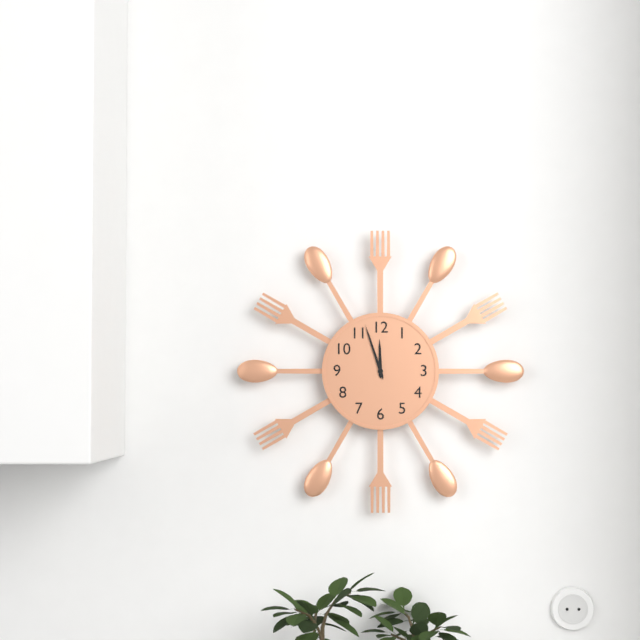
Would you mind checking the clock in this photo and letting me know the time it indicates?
11:57
